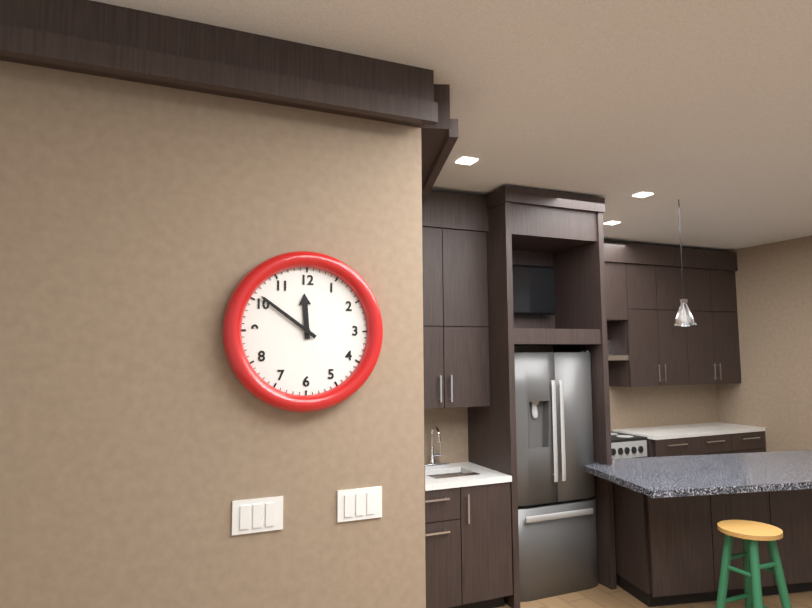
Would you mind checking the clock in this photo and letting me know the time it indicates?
11:51
